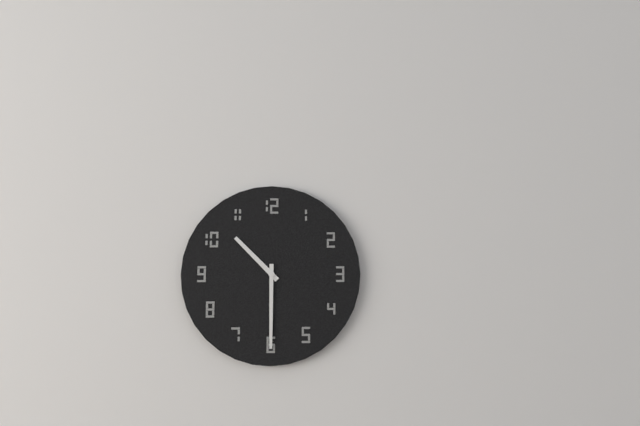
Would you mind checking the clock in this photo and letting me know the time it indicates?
10:30
